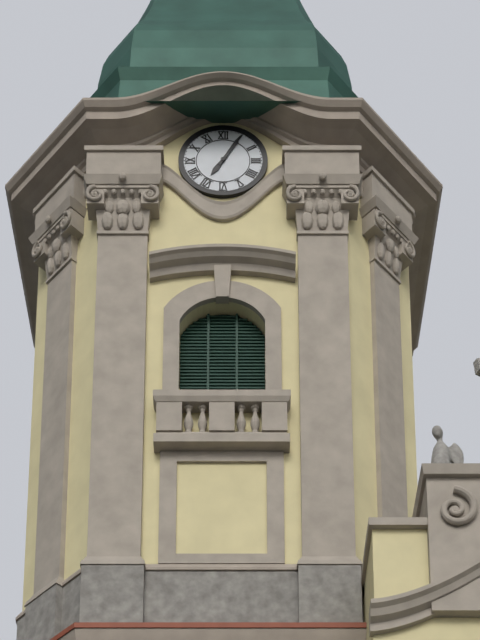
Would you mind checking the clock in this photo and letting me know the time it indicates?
7:05
